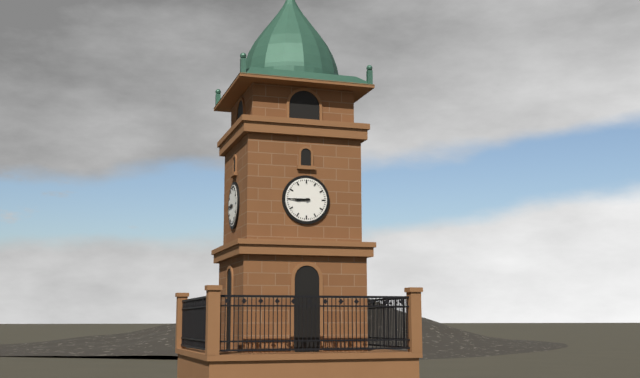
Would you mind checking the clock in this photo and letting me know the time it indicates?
8:45
